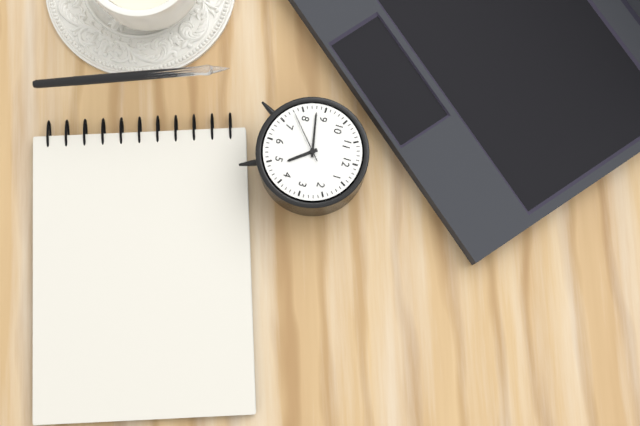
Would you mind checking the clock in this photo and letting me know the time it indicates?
4:43:38
